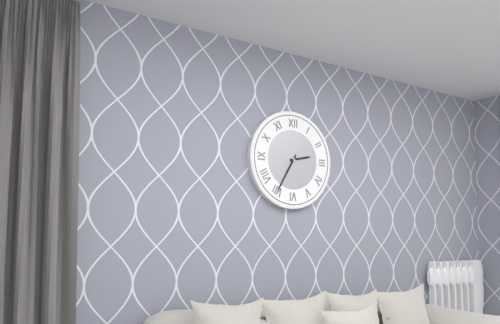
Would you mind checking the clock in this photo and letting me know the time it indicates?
2:35
